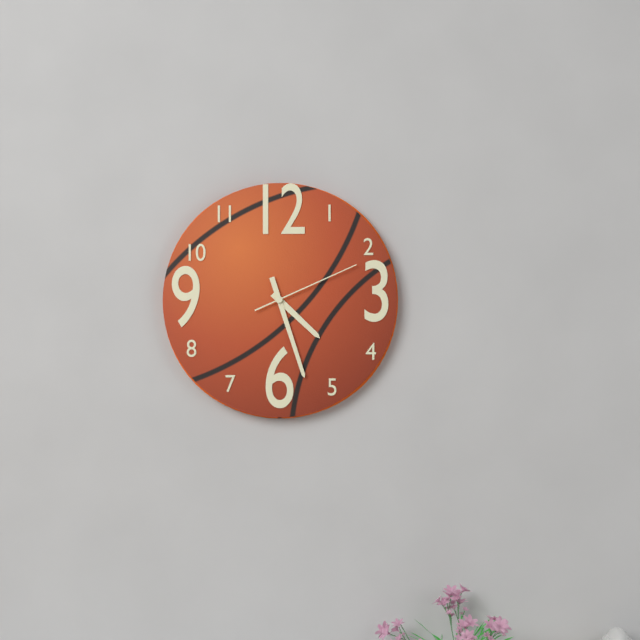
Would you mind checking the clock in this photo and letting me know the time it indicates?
4:27:11
